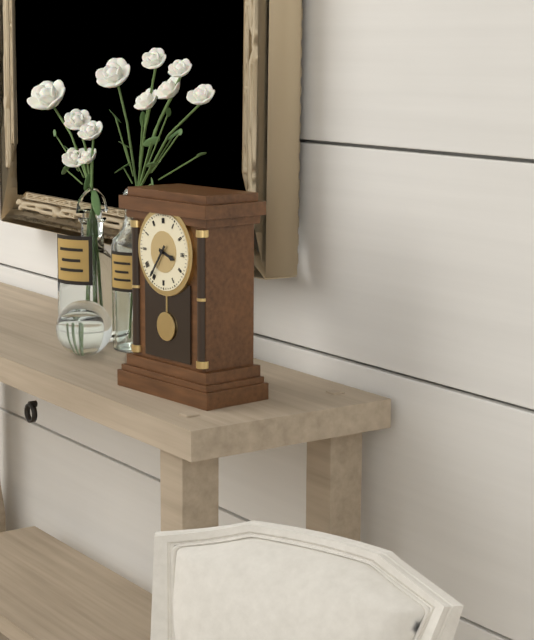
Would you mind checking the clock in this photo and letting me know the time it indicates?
3:36
